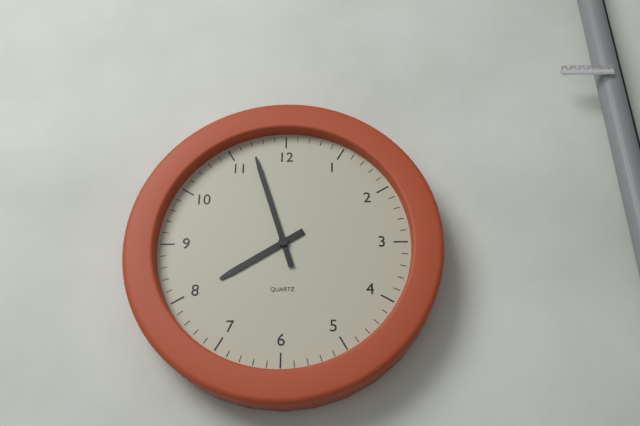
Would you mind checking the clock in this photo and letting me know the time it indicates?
7:57
